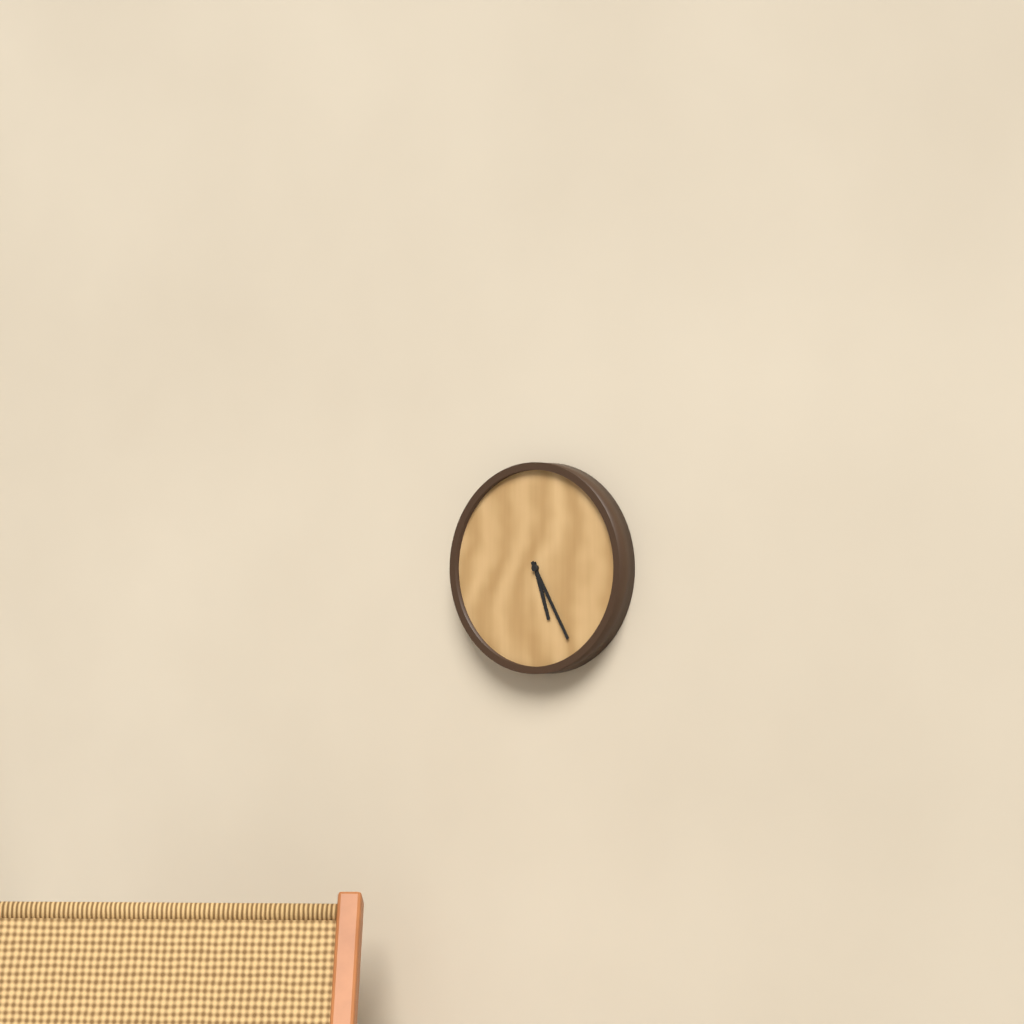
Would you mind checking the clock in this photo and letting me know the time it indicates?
5:25
